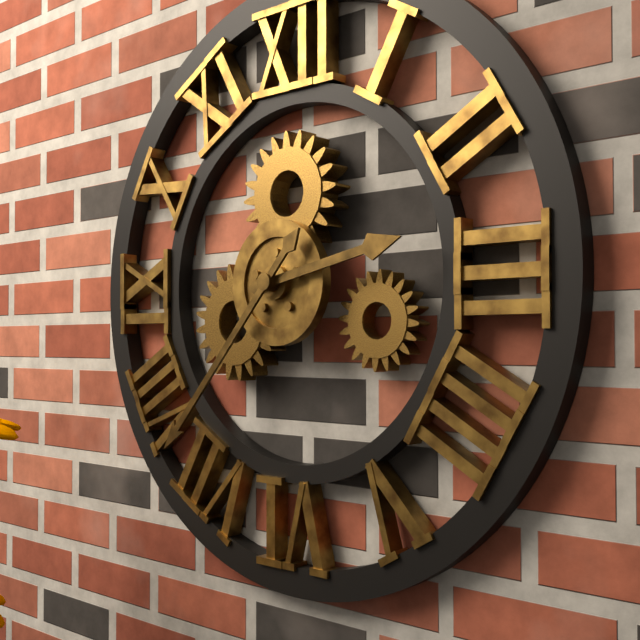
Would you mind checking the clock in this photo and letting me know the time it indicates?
2:37
